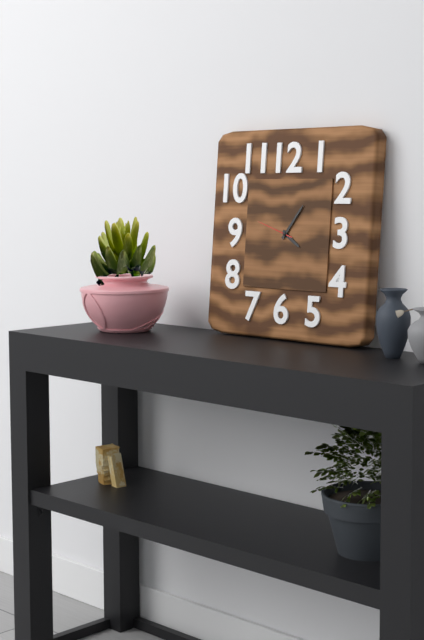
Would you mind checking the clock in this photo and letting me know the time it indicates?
4:06
